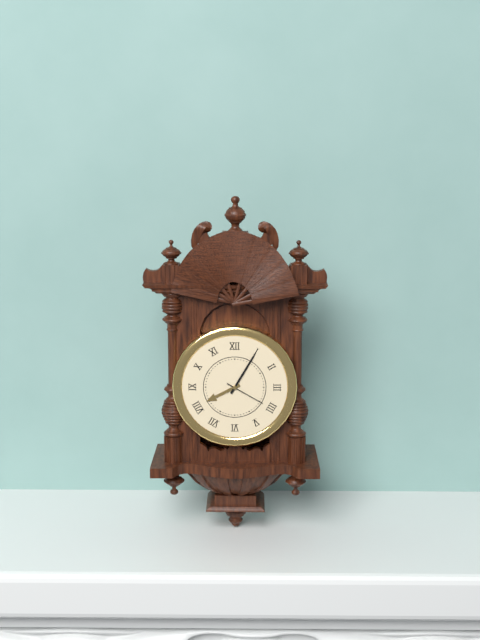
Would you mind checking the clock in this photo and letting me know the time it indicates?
8:05
